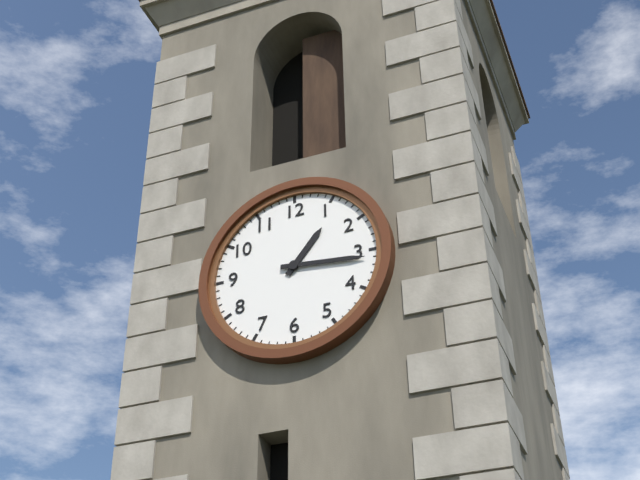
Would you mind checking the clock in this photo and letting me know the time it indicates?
1:16
